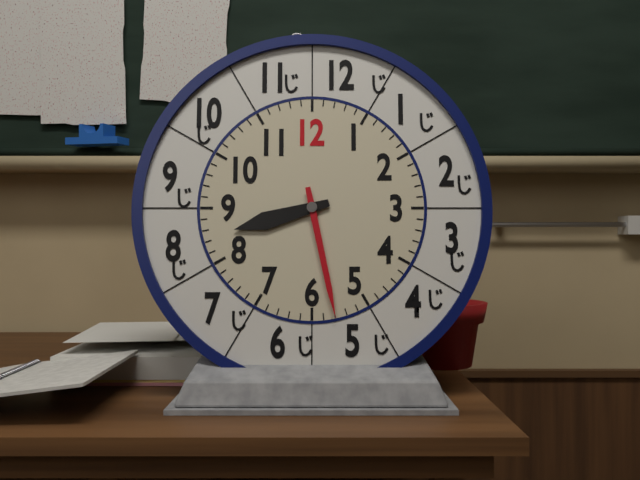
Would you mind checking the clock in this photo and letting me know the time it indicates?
8:28
